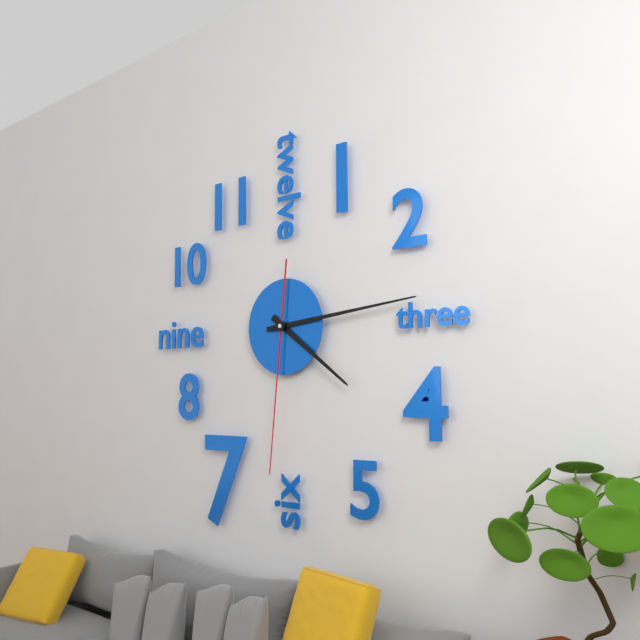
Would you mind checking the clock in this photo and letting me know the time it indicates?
4:14:31
